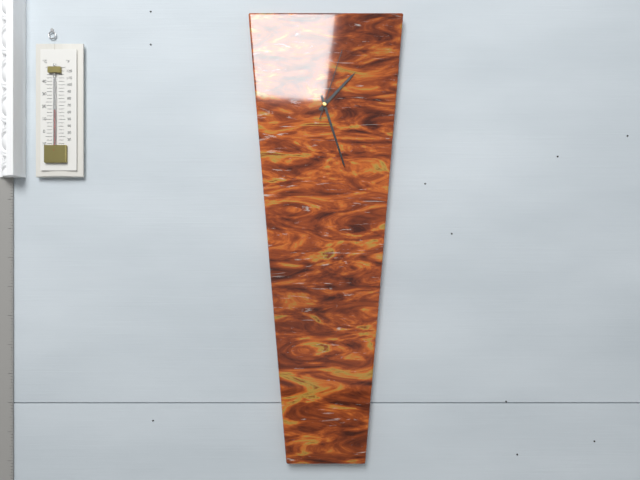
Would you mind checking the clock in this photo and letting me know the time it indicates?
1:27:03
